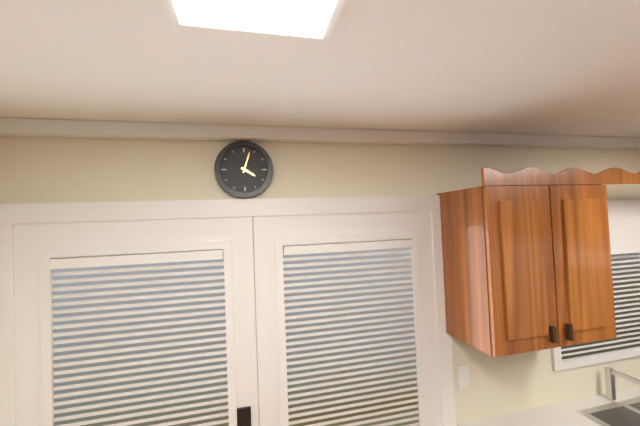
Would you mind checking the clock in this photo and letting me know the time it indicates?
4:03
